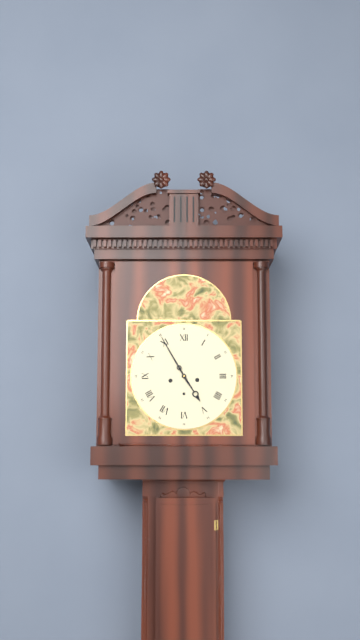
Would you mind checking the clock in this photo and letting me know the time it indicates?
4:55
